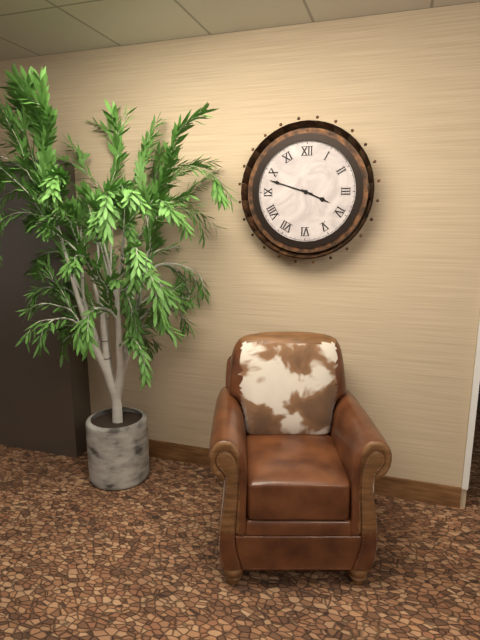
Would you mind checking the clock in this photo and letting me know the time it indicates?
3:48
